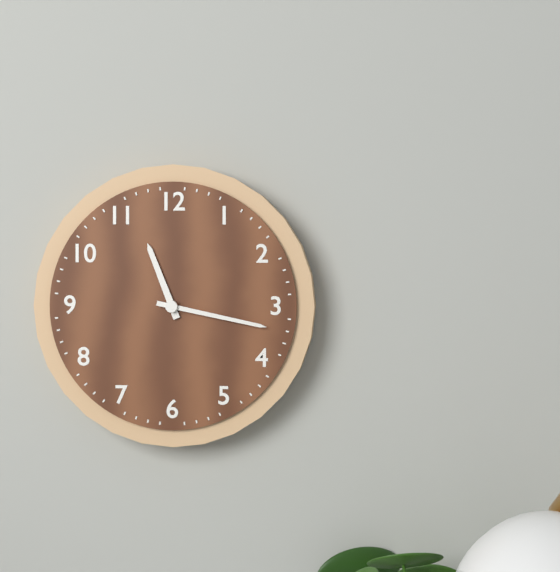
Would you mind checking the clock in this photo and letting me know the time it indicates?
11:17
